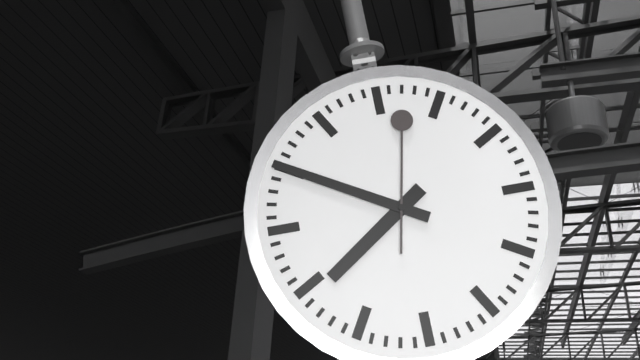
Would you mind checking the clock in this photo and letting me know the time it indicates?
7:50:02
